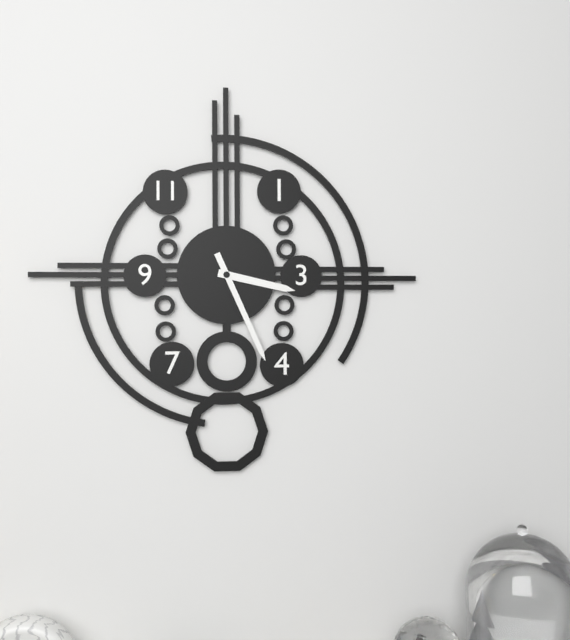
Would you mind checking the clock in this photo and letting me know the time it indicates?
3:26
